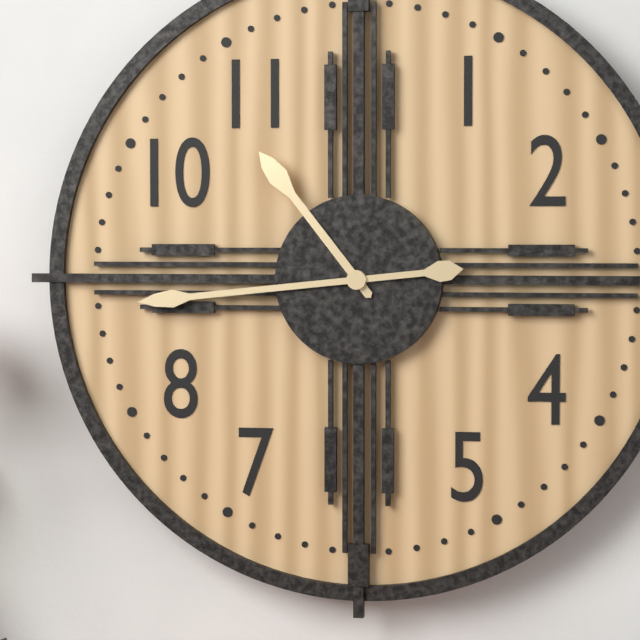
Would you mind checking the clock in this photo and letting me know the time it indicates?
10:44
